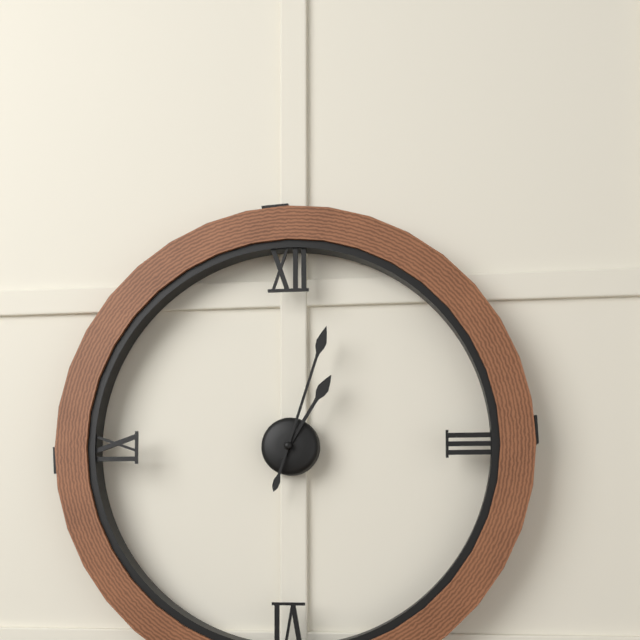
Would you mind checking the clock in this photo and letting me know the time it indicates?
1:03
